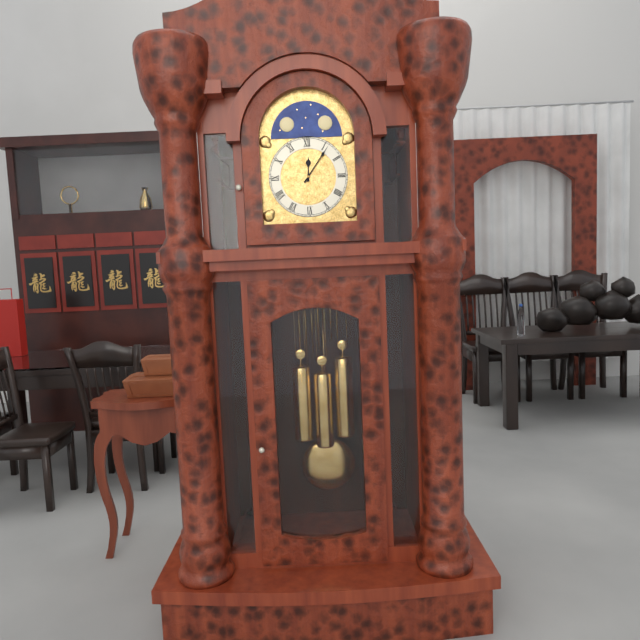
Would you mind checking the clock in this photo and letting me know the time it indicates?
12:06
